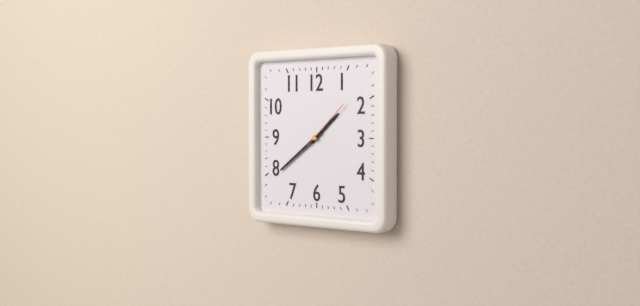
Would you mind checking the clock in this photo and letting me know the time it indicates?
1:39:08
